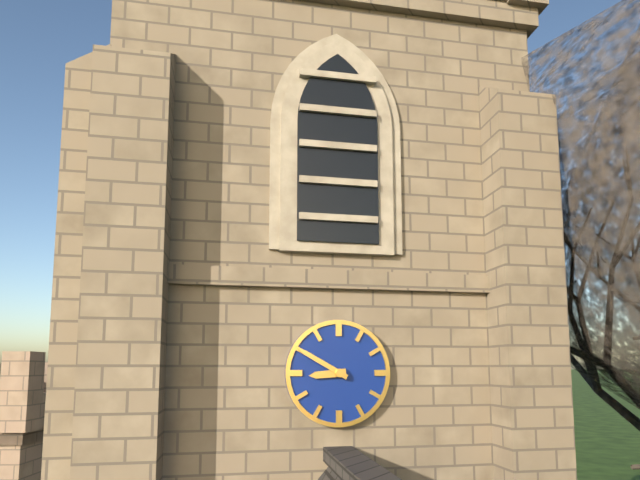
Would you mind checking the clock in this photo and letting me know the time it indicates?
8:50
